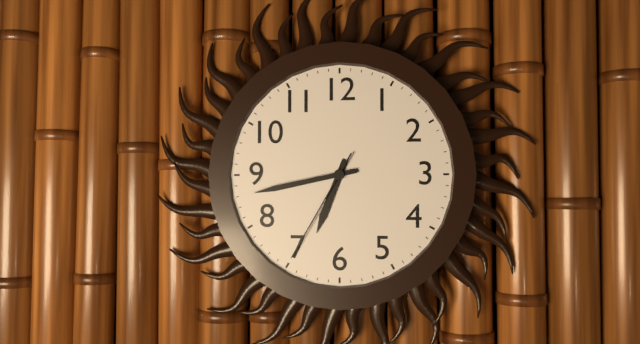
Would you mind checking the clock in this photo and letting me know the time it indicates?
6:43:35
